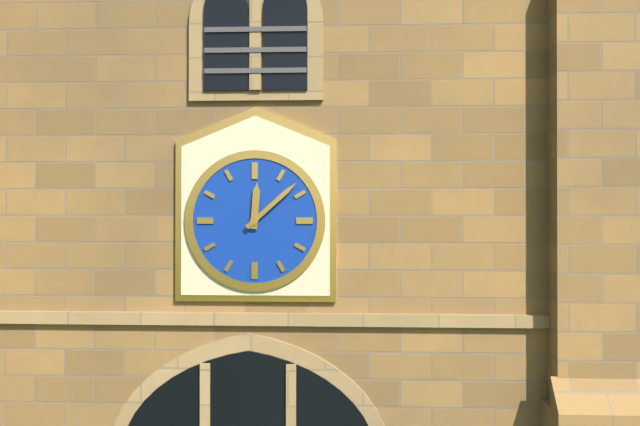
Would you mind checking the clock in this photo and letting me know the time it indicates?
12:08
